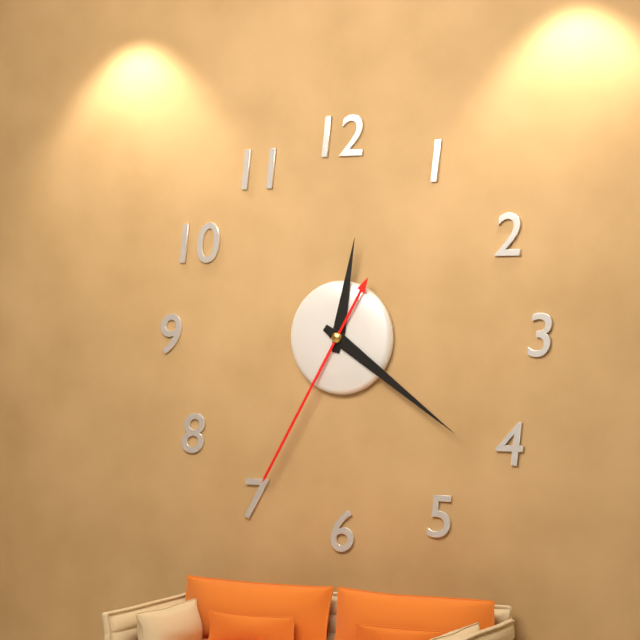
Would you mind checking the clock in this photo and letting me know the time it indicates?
12:21:35
